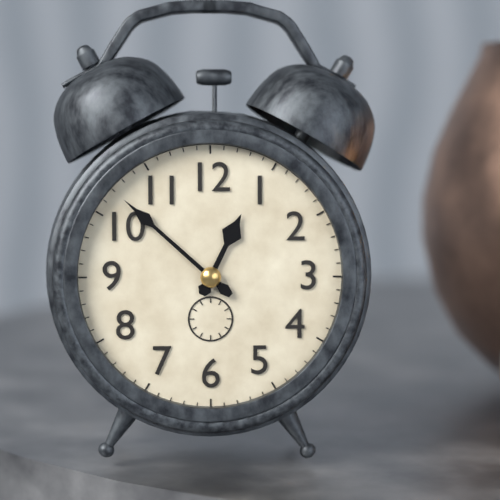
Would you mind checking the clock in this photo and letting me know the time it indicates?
12:52
